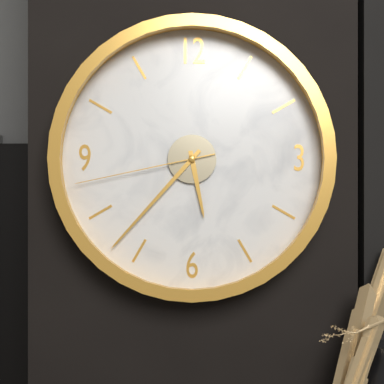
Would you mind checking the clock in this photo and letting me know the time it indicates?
5:37:43
